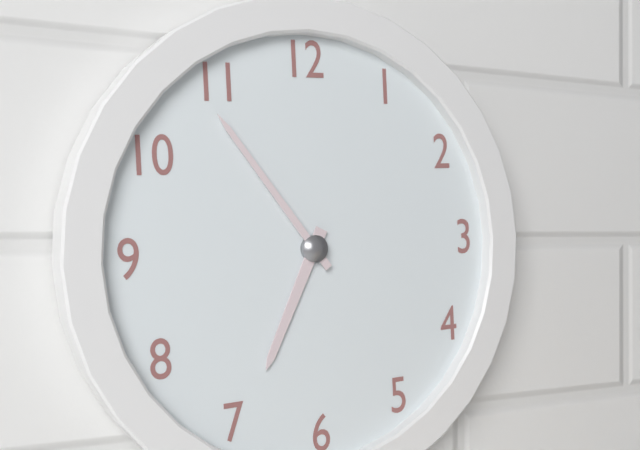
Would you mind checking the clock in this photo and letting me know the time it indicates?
6:54
